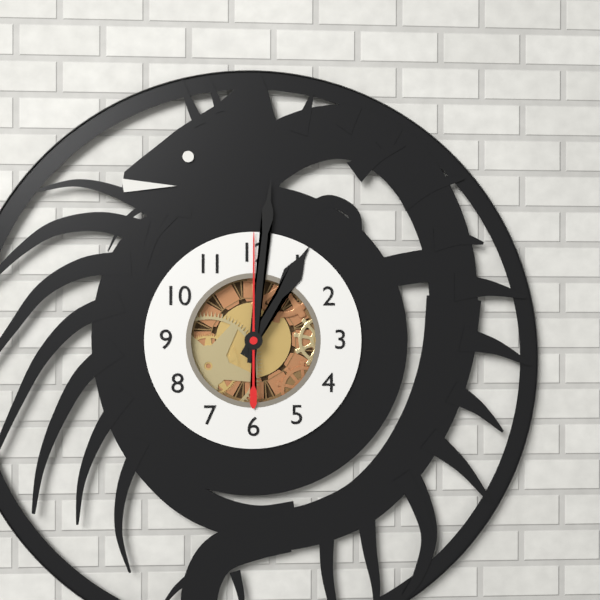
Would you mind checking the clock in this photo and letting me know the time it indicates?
1:01:00
